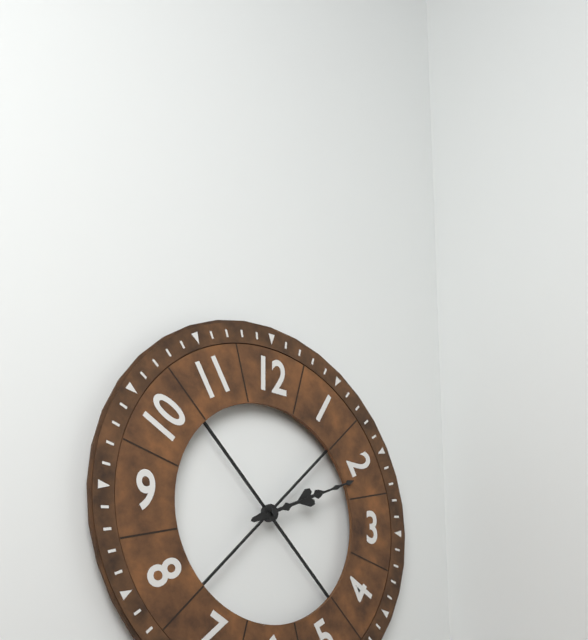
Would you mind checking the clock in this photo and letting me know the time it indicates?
2:11
